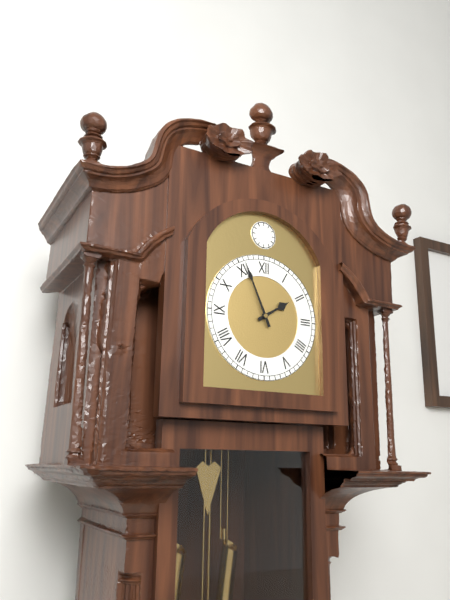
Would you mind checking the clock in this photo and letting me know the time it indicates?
1:56
